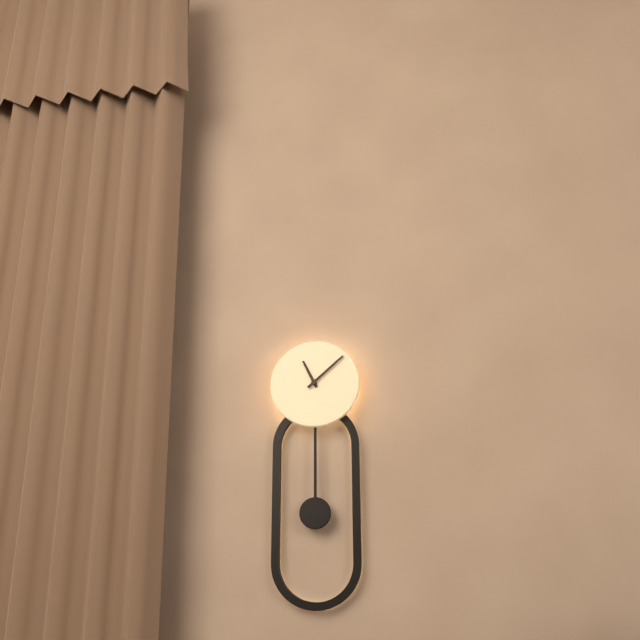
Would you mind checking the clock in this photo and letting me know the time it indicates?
11:08
